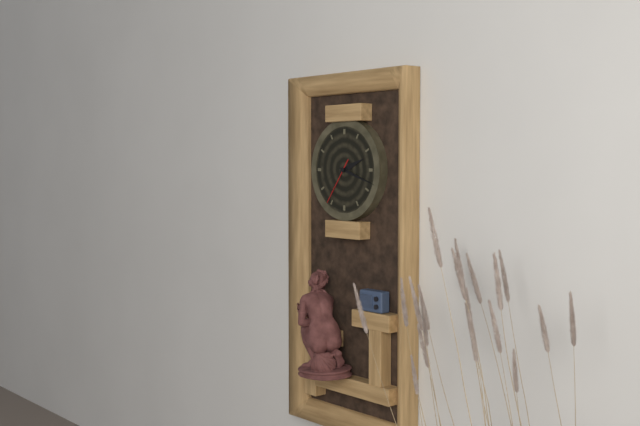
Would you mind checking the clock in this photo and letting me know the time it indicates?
2:18
